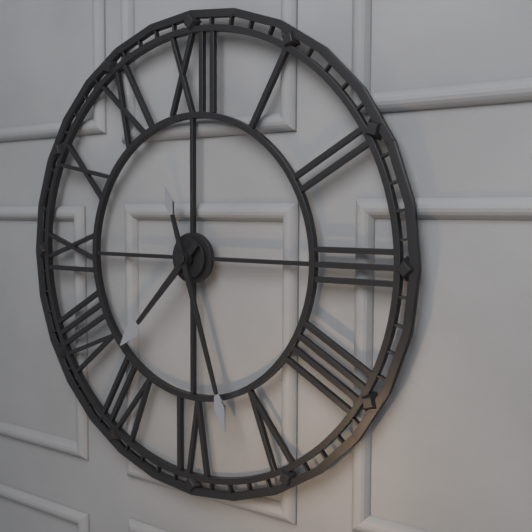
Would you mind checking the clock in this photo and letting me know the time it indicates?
7:27
